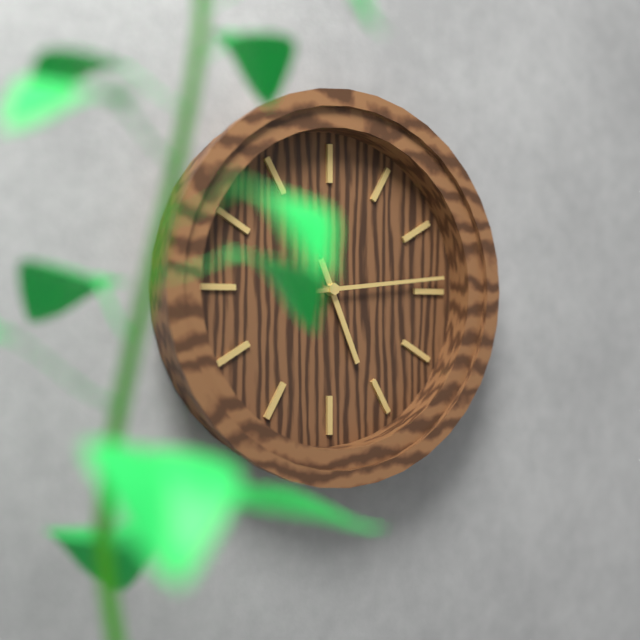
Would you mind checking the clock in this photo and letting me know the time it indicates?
5:14
